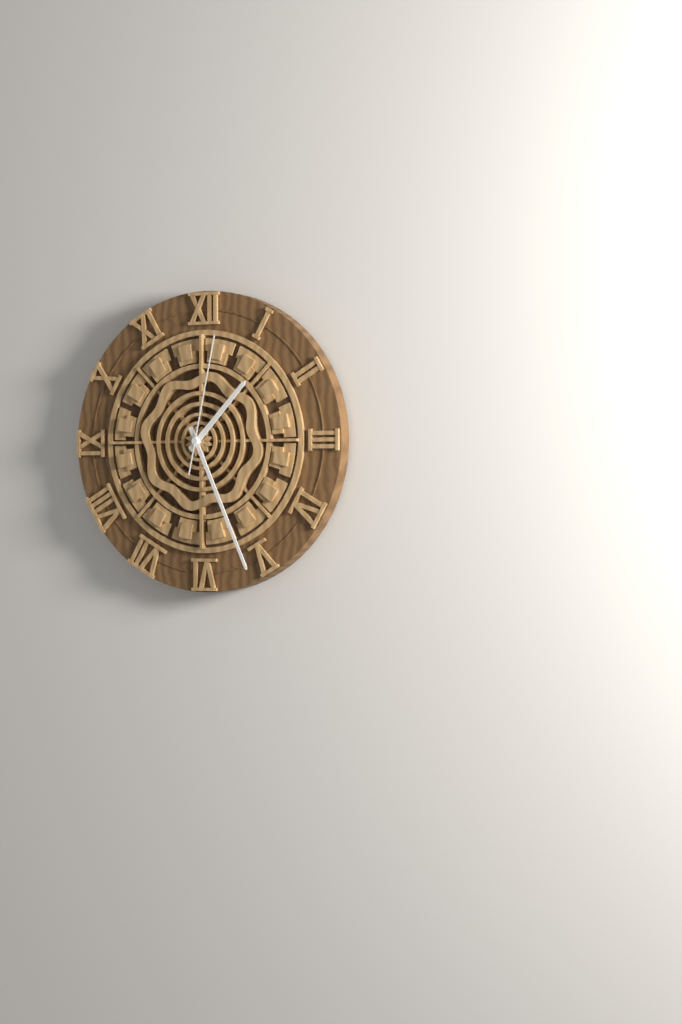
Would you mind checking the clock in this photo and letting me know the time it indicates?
1:26:02
